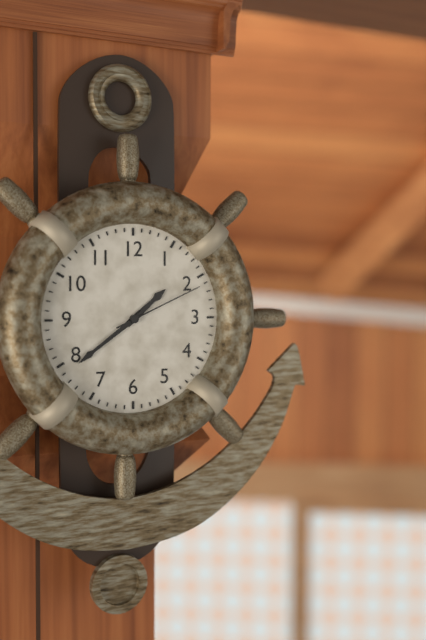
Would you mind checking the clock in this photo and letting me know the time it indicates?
1:39:11
